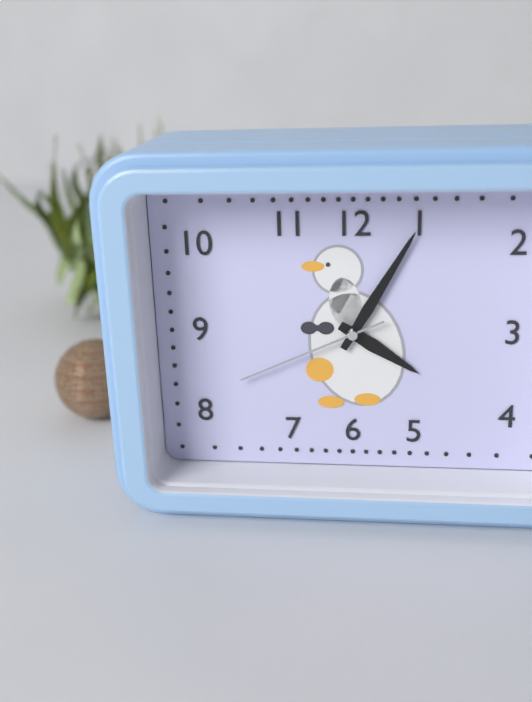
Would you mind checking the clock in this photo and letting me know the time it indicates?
4:05:41
